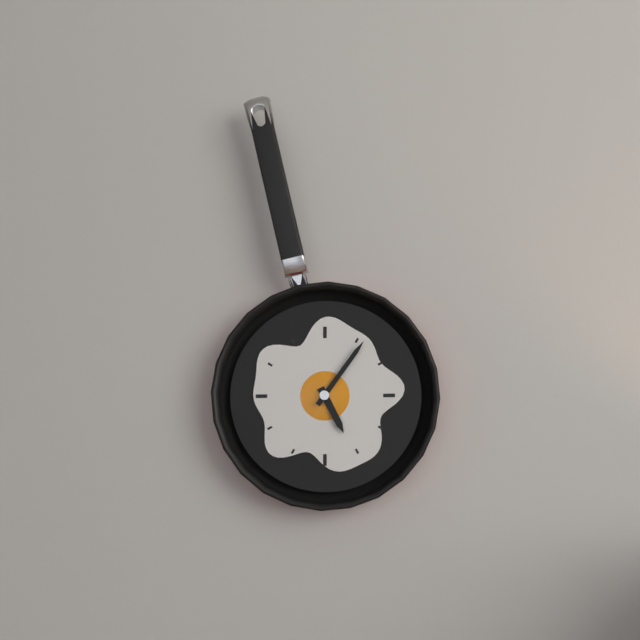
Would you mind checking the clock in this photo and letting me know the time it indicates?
5:06
